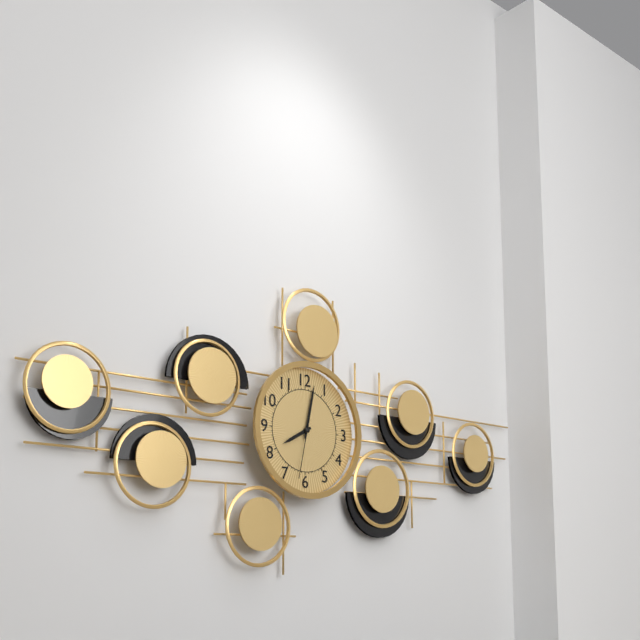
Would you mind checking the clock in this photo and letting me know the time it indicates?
8:02:32
